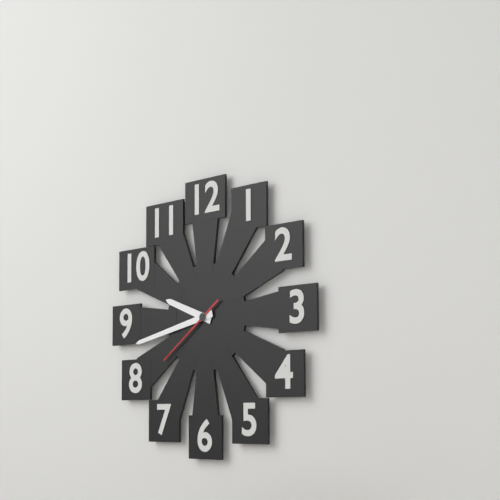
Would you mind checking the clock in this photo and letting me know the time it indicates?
9:43:39
